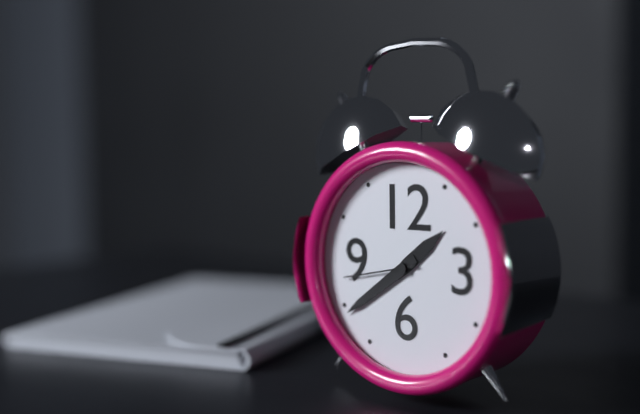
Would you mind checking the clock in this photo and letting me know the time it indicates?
1:39:43
